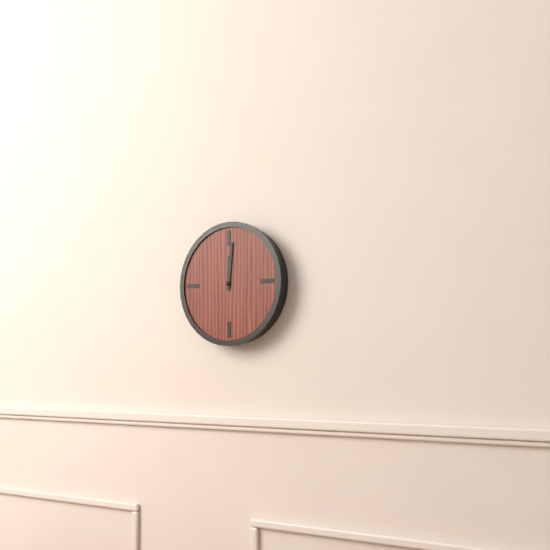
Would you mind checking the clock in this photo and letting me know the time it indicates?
12:01
